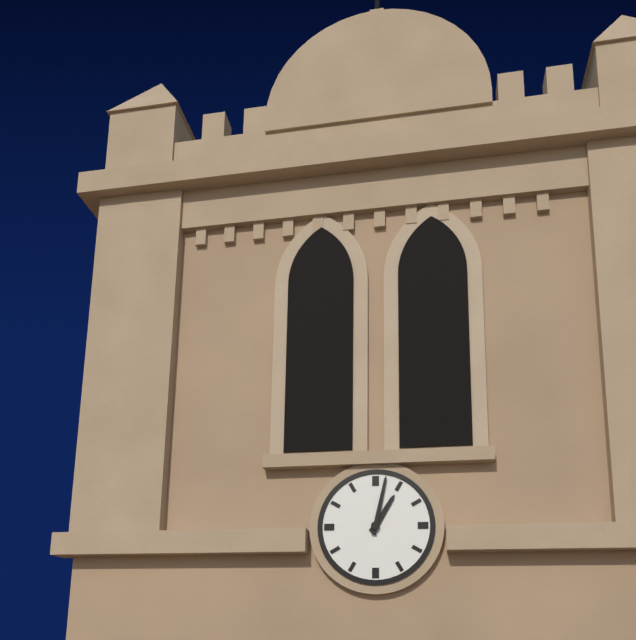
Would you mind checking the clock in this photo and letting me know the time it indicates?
1:02
